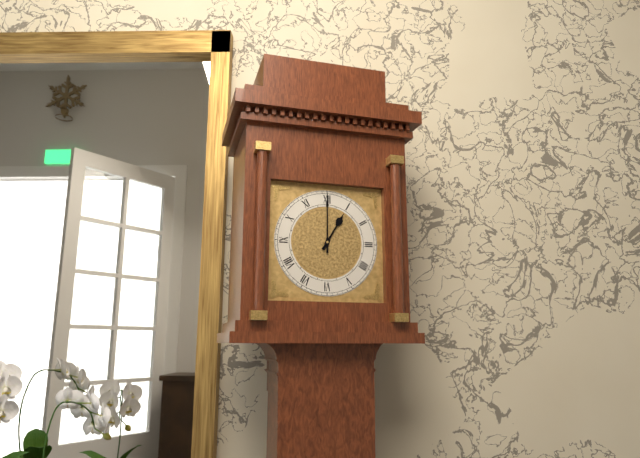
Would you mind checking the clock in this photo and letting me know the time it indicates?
1:00
